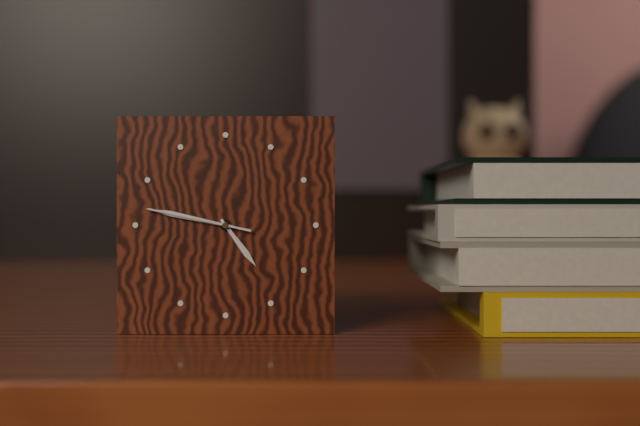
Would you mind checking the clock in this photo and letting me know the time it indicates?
4:47:47
